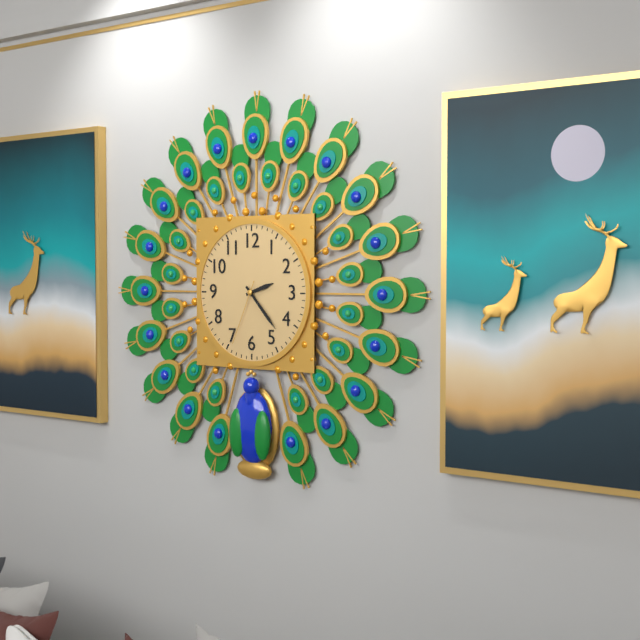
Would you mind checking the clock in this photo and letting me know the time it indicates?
2:23:34
